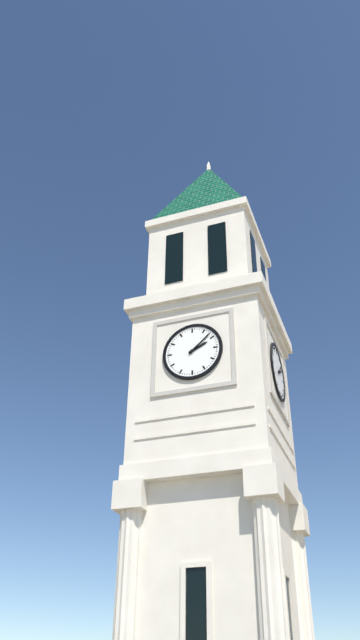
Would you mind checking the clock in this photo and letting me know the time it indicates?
2:08
